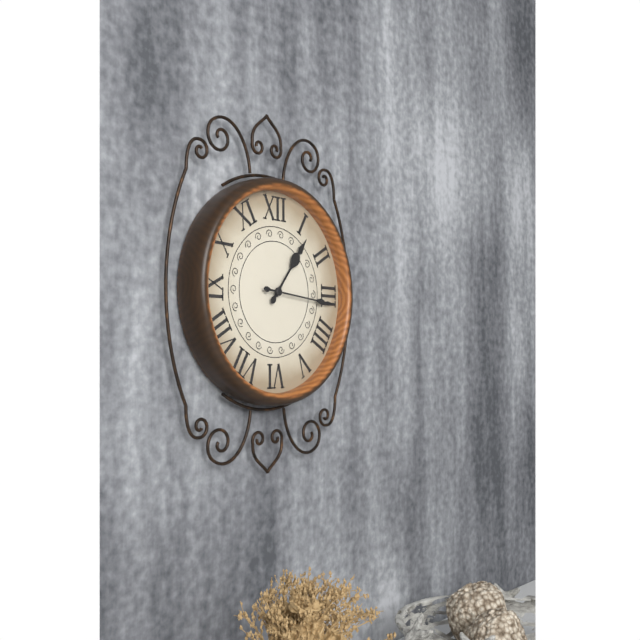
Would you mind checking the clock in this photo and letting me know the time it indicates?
1:16
